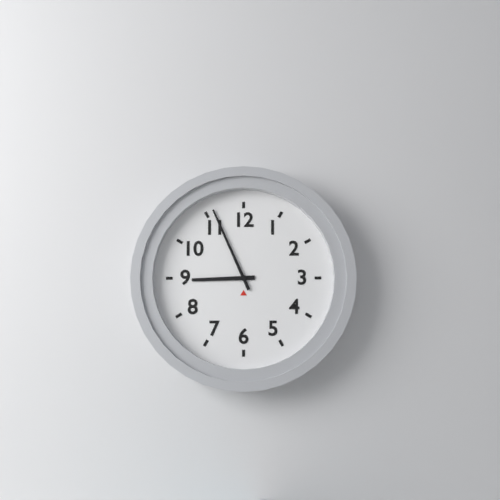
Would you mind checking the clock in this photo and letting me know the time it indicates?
8:56
